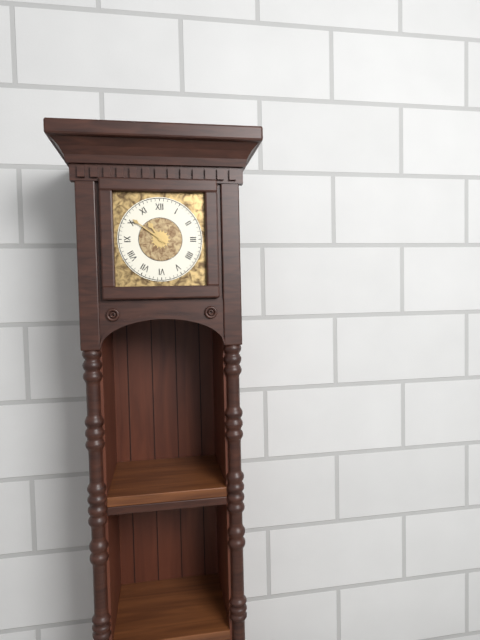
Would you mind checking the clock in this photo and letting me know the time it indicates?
10:51
